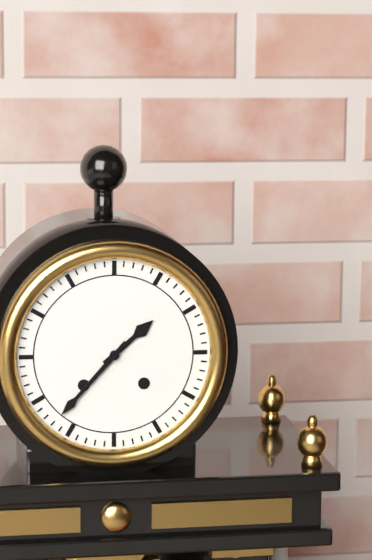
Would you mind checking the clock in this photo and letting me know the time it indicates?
1:37
